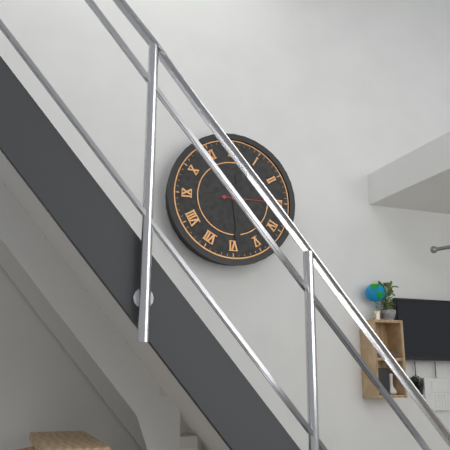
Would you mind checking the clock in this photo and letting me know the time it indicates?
12:29:15
